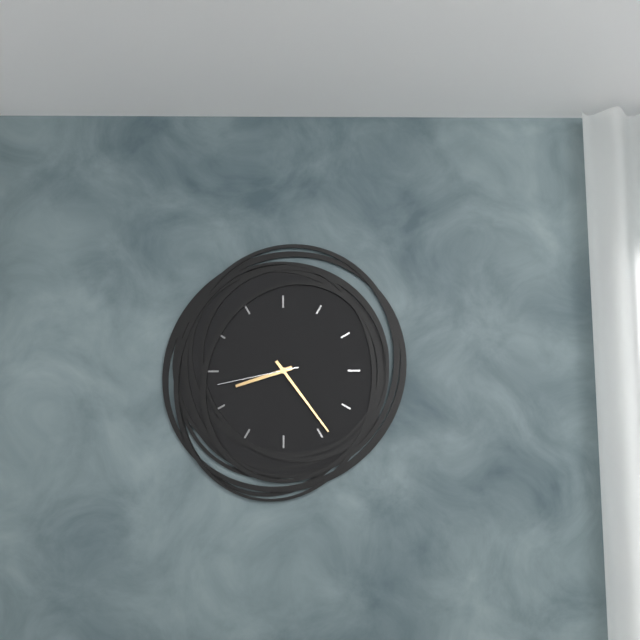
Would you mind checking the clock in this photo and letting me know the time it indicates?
8:24:43
